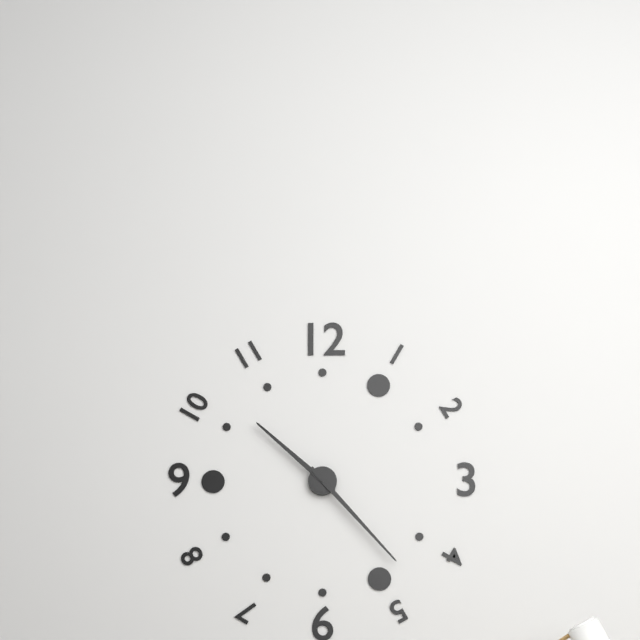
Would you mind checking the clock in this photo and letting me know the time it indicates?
10:23
